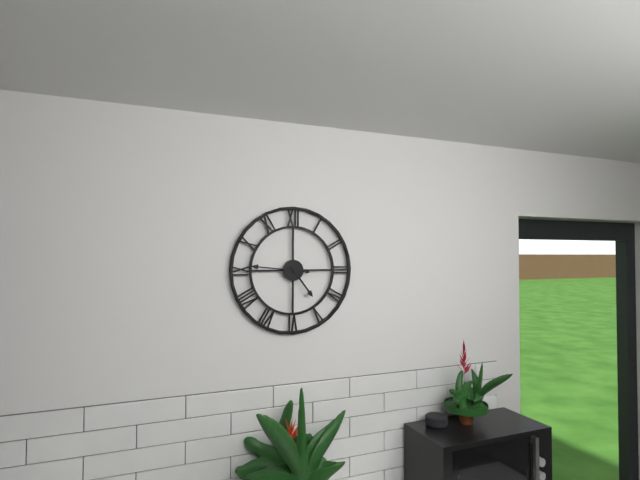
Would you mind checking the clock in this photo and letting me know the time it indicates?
4:46
